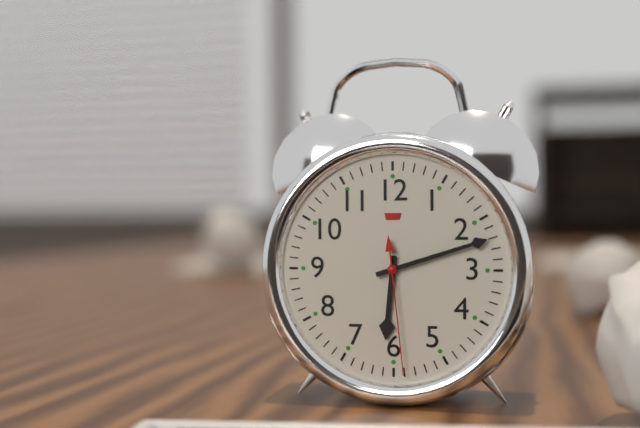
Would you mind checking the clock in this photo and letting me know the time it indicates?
6:12:29
